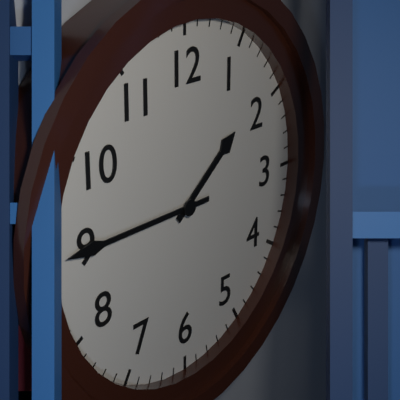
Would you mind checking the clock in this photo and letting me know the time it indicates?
1:45
